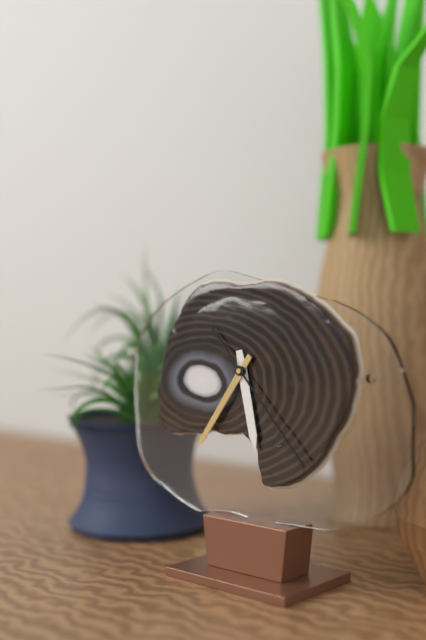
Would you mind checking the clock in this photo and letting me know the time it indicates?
5:36:23
